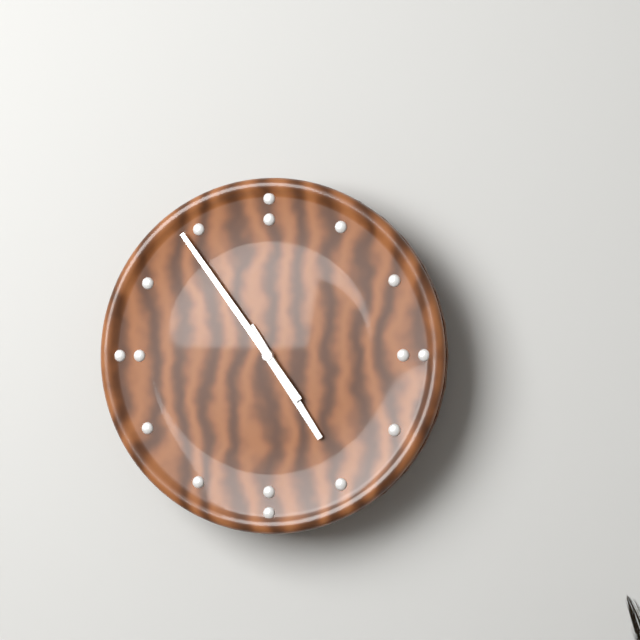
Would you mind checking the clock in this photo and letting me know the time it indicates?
4:54
